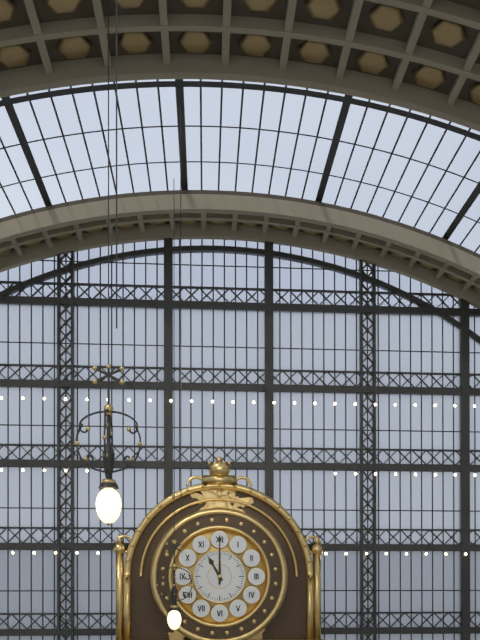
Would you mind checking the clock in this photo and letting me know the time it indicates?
11:00
